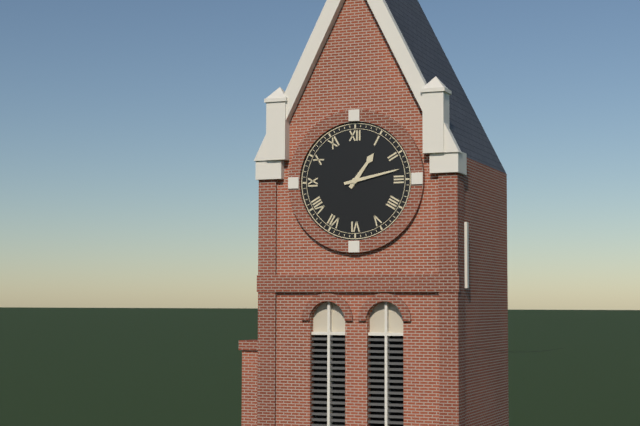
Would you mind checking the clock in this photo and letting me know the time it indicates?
1:13
